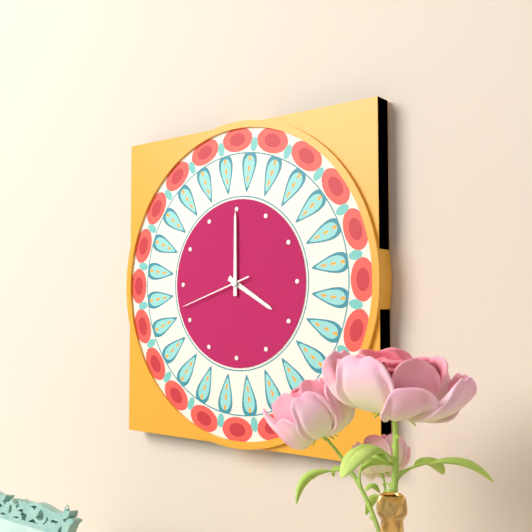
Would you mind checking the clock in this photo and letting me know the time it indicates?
4:00:42
